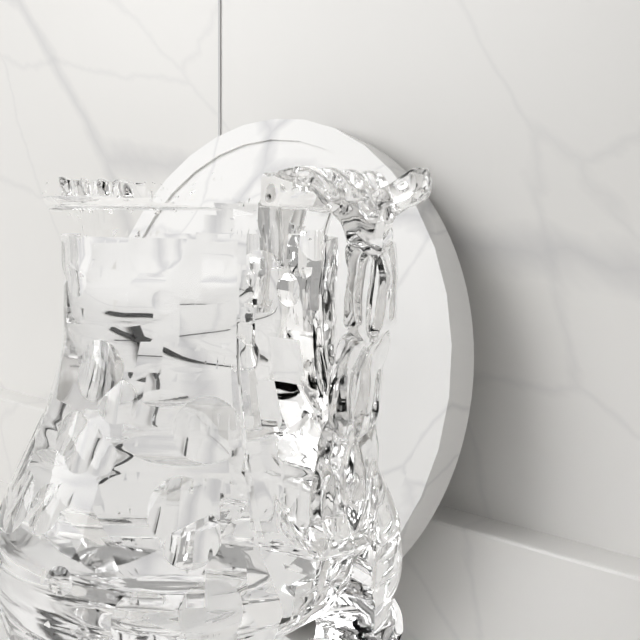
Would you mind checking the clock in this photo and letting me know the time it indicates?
7:30:46
